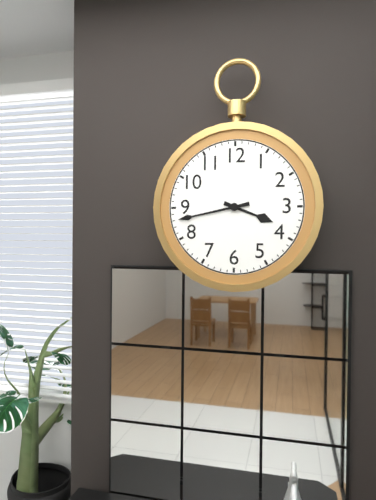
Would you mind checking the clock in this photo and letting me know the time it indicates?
3:43
